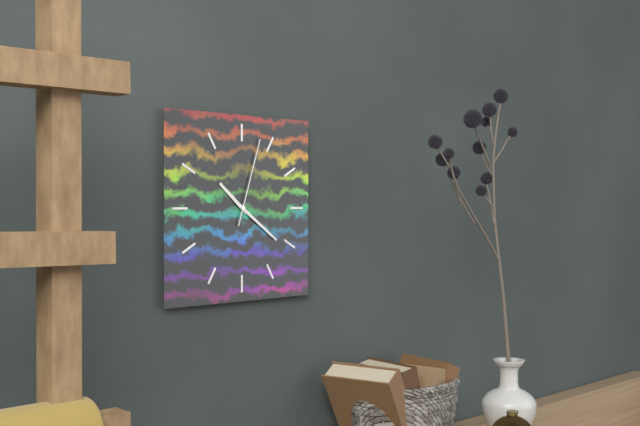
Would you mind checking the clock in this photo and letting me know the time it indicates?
10:21:03
